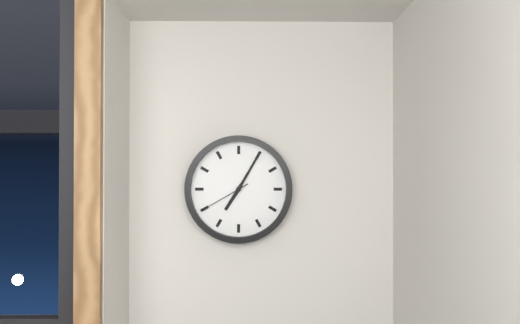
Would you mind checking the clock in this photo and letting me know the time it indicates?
7:05:40
